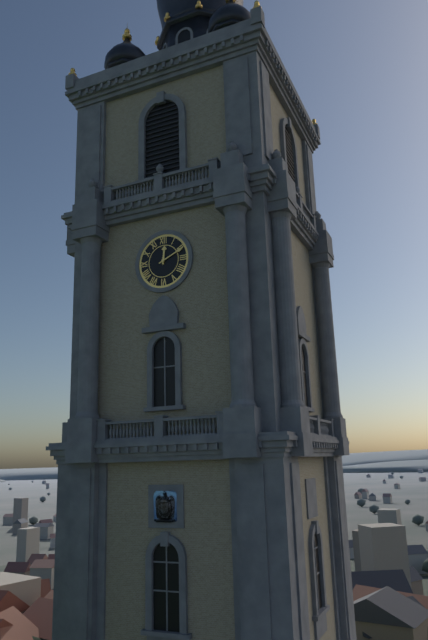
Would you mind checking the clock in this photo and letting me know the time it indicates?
12:11
